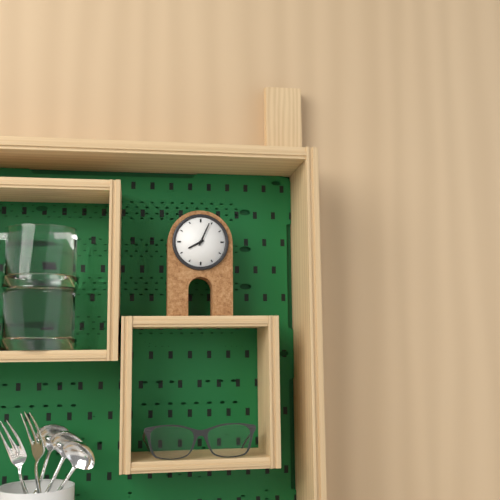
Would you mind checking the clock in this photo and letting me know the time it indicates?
8:04
